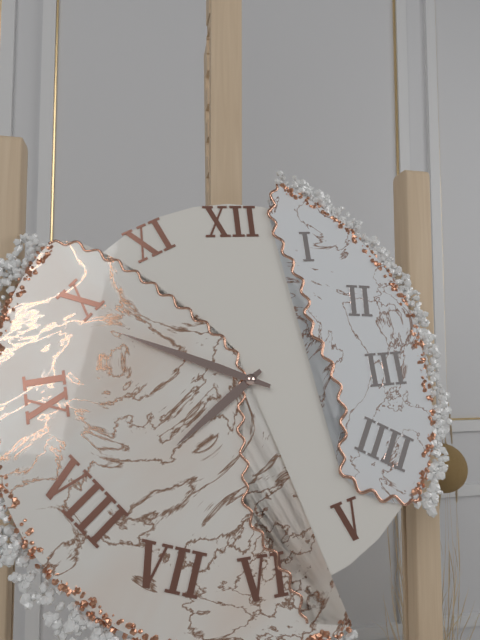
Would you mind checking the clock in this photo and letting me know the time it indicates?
7:49
